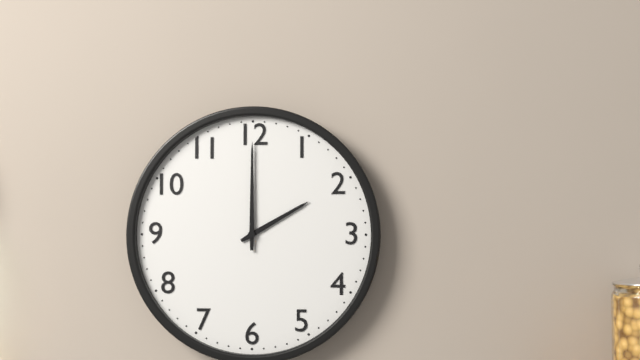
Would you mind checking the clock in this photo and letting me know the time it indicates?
2:00
